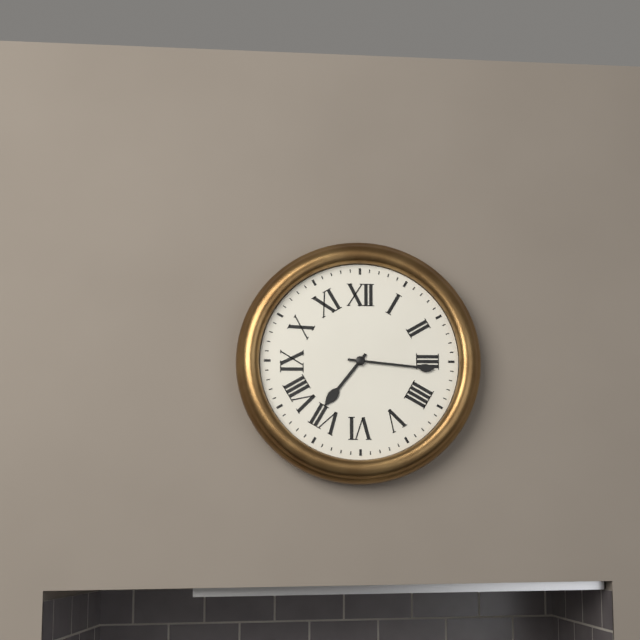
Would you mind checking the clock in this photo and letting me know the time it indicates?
7:16
